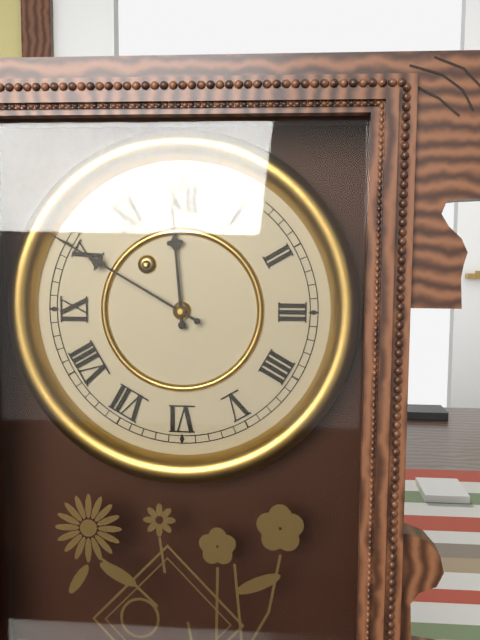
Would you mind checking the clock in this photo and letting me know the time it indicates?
11:50
